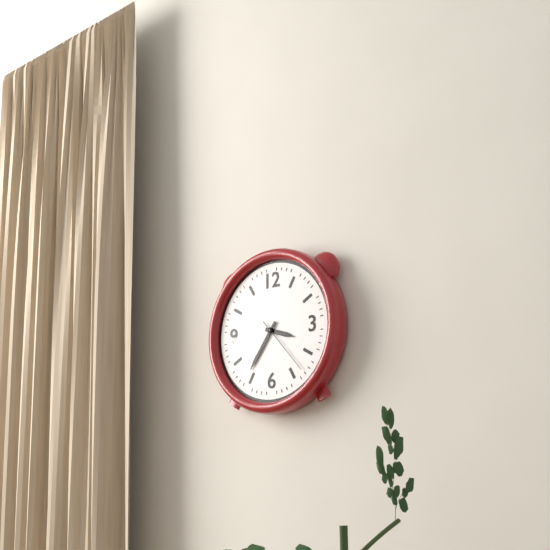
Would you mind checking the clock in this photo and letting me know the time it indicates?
3:36:23
